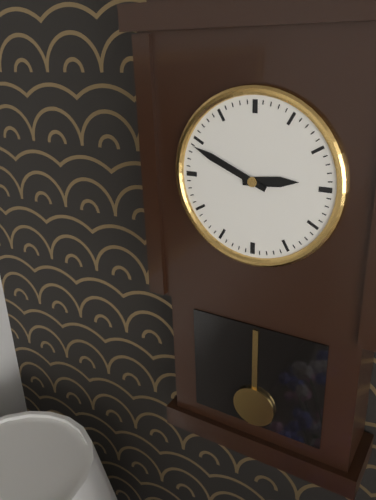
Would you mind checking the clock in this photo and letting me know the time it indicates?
2:49
